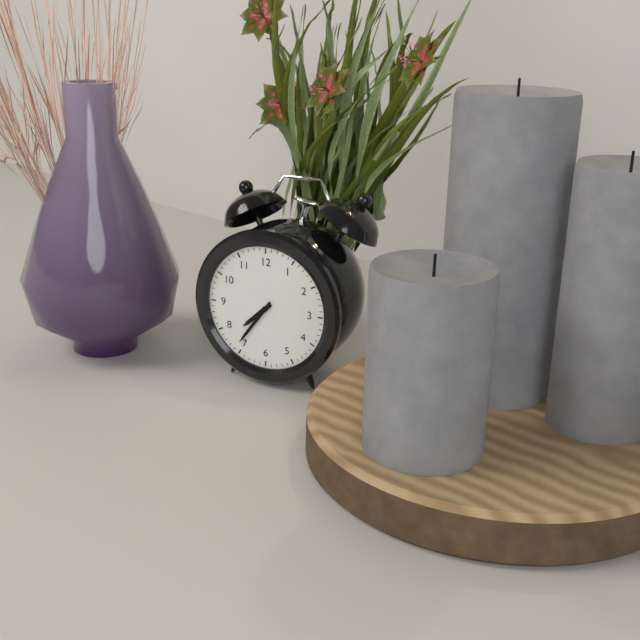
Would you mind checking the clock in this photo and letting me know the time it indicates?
7:36
